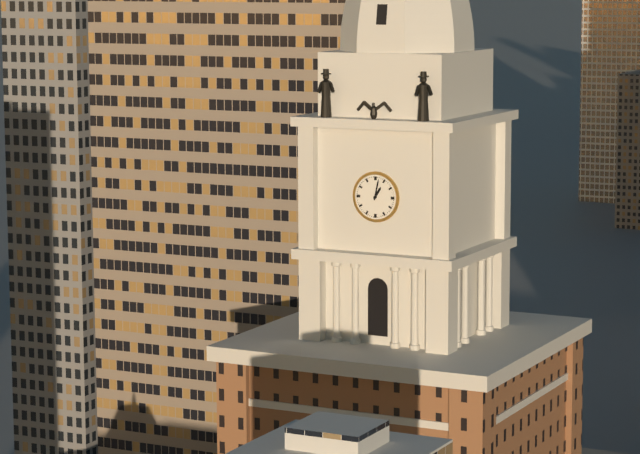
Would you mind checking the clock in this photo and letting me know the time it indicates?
1:02
